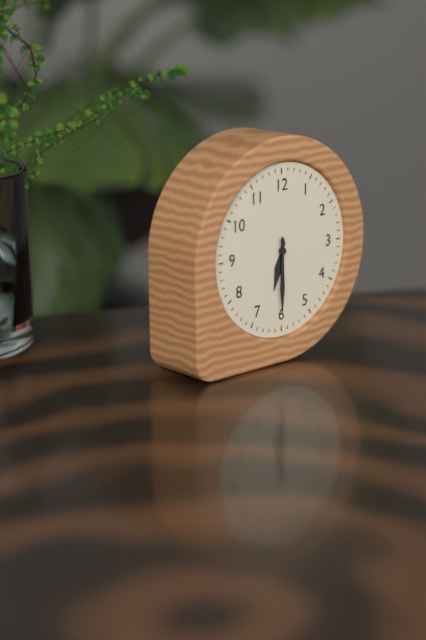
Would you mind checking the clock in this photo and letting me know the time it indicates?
6:30
